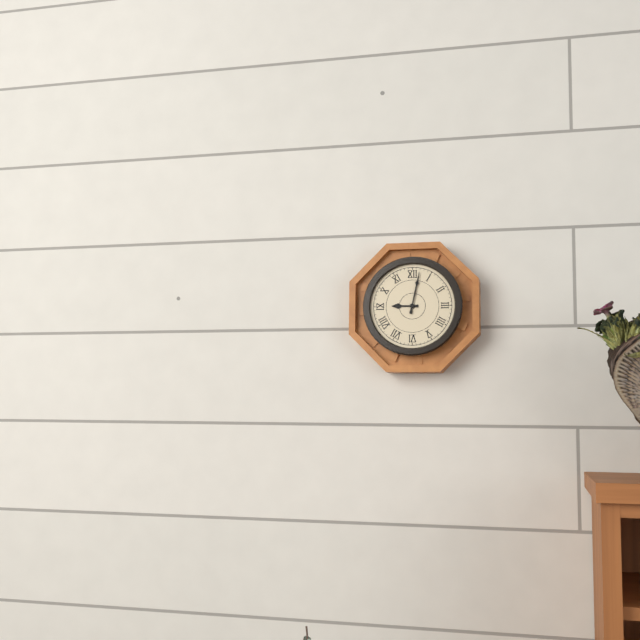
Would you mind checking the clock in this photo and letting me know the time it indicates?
9:02
